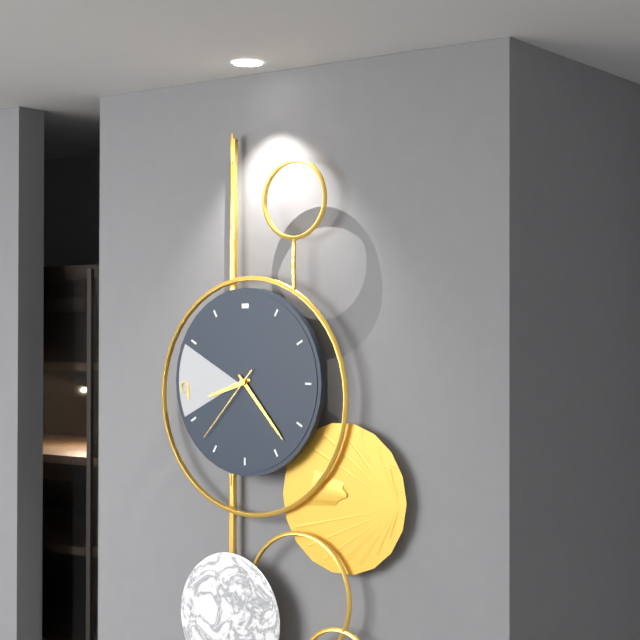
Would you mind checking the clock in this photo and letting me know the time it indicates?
8:23:37
